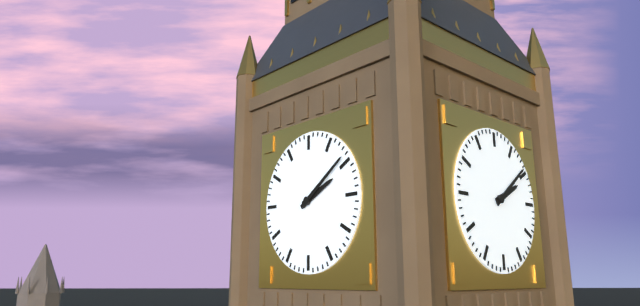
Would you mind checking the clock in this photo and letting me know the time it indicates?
2:09
